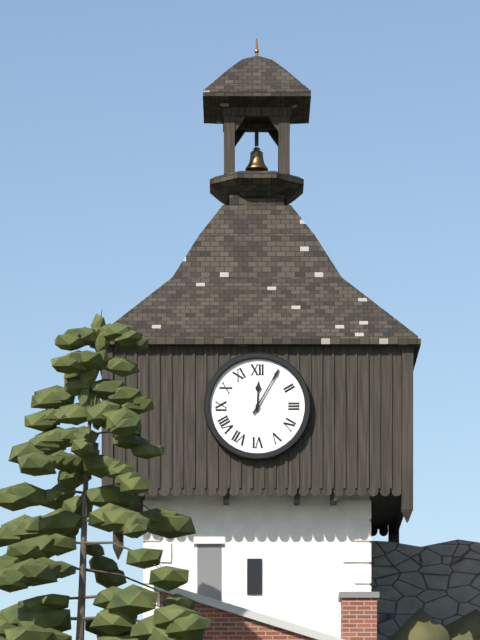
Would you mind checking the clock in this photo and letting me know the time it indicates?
12:05
